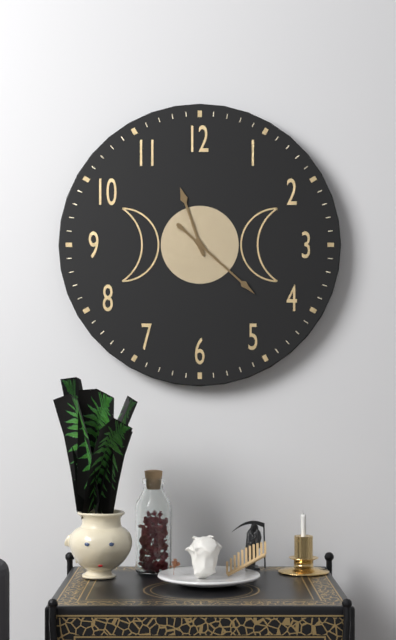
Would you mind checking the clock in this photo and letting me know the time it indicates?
11:22
